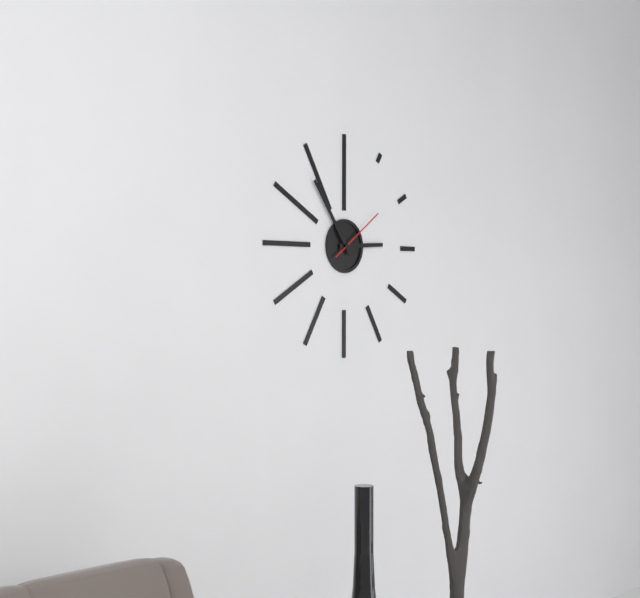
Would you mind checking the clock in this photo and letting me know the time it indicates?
2:54:09
